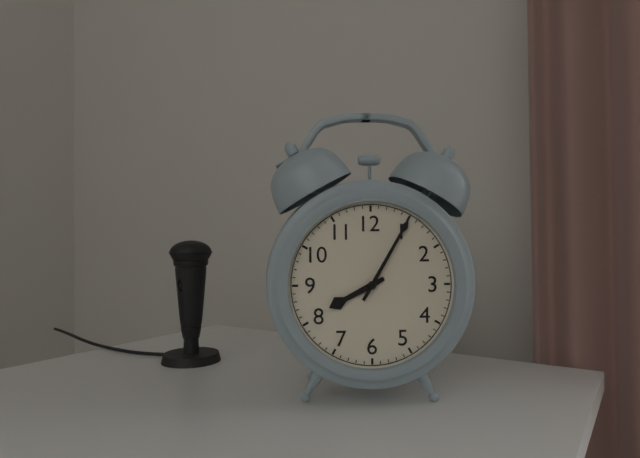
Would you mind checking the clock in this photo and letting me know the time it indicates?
8:05
